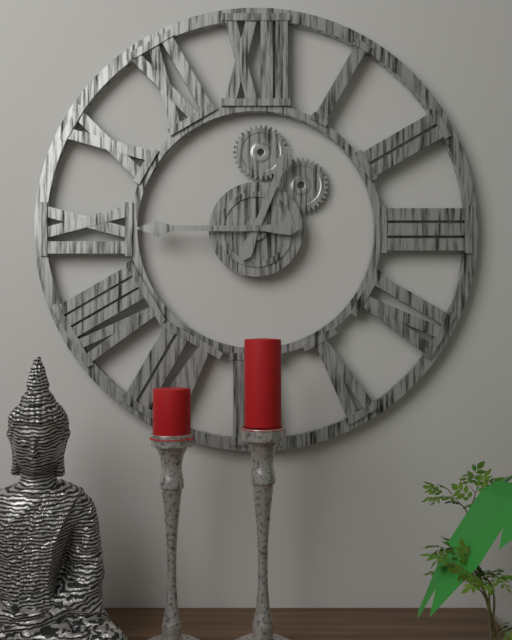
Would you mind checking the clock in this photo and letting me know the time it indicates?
12:45
